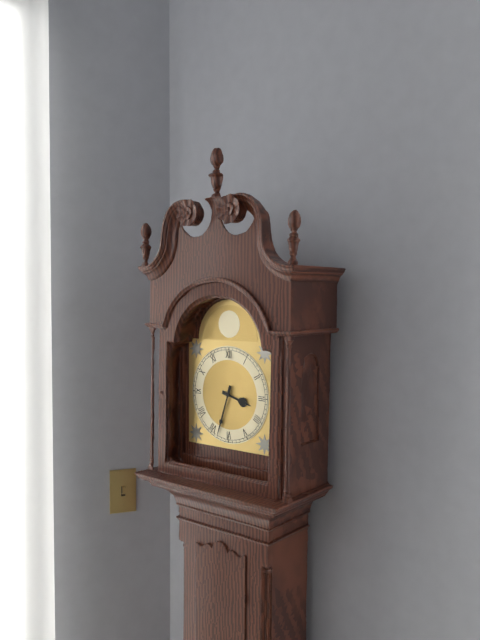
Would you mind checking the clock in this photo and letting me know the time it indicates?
3:33
